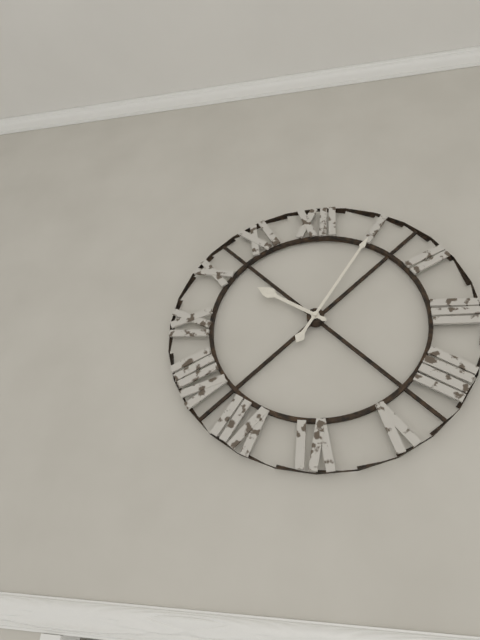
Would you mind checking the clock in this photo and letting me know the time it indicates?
10:05
